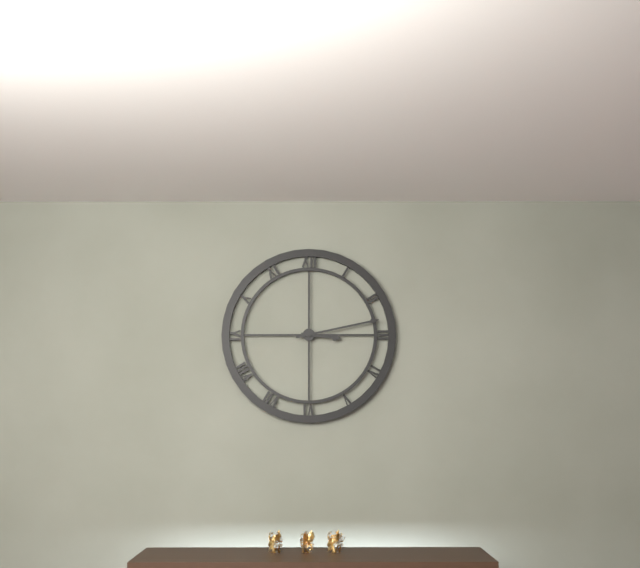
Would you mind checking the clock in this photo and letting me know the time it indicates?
3:13
